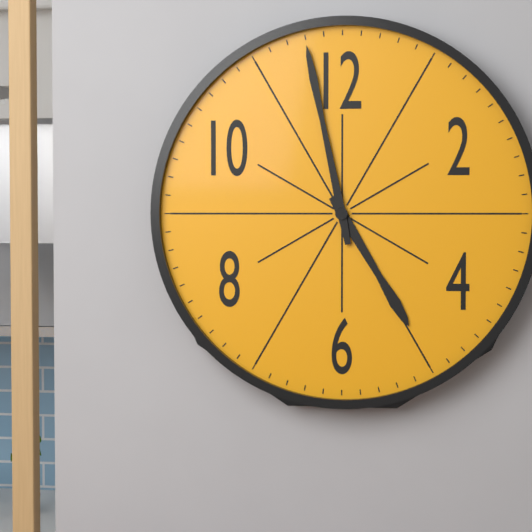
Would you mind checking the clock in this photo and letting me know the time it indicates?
4:58
